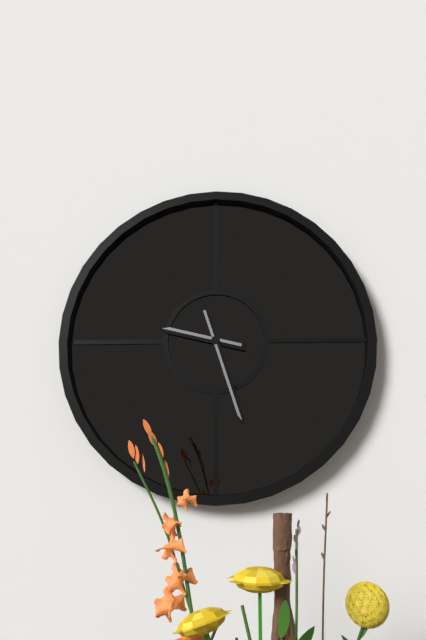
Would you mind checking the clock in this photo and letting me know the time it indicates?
9:27
